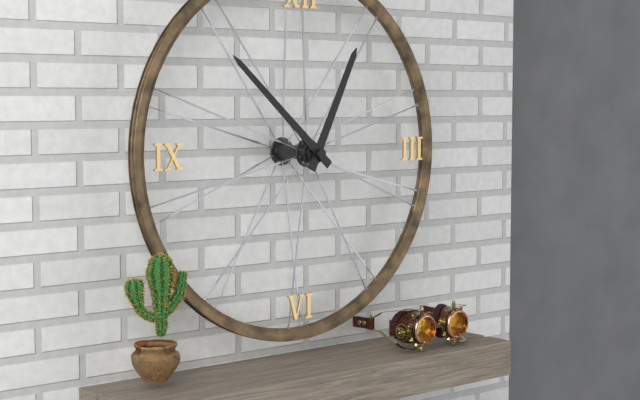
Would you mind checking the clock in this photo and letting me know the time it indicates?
12:52
